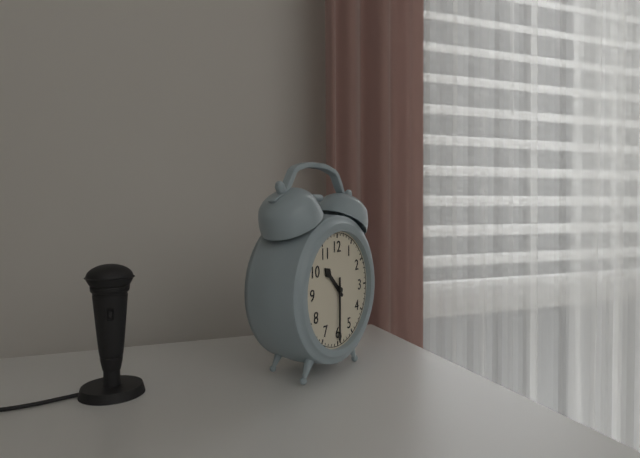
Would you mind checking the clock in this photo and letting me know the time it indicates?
10:30
